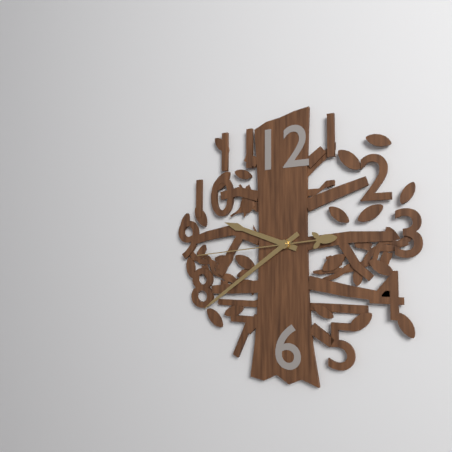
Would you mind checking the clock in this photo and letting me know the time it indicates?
9:39:44
